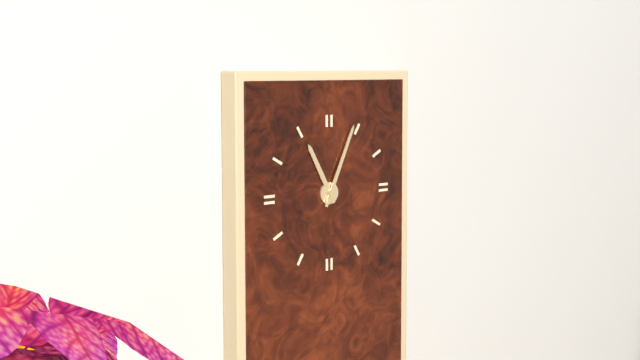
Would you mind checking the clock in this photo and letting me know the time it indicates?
11:04
